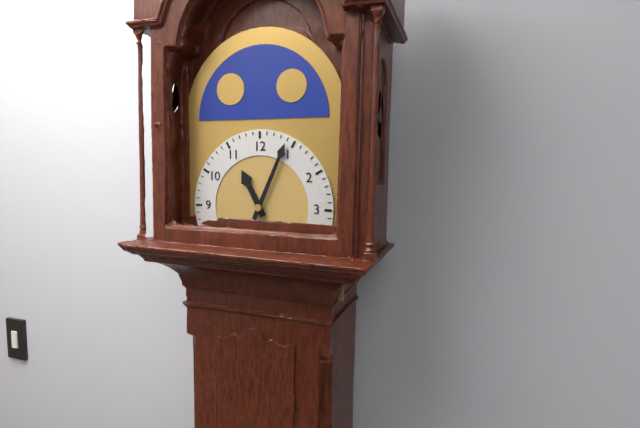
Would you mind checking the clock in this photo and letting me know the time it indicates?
11:04
